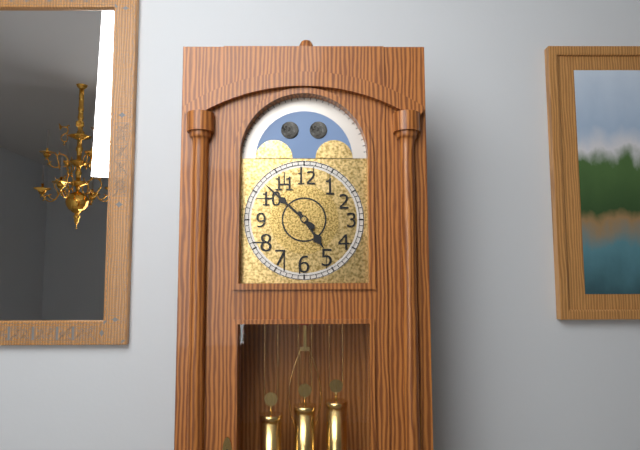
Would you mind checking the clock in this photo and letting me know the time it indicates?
4:52
